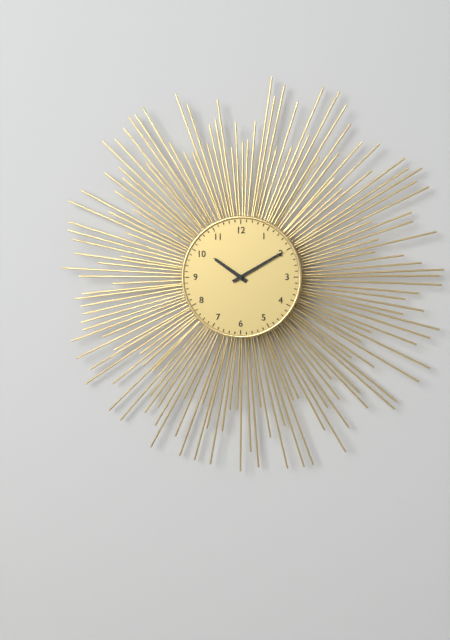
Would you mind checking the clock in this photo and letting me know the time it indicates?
10:10
